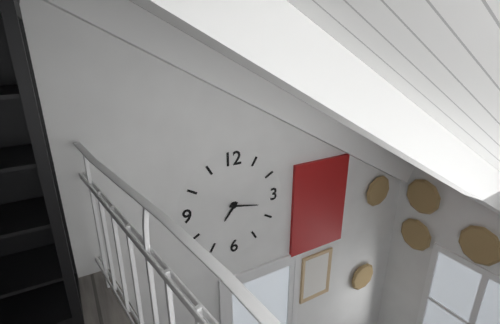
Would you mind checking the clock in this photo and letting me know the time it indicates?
7:17
